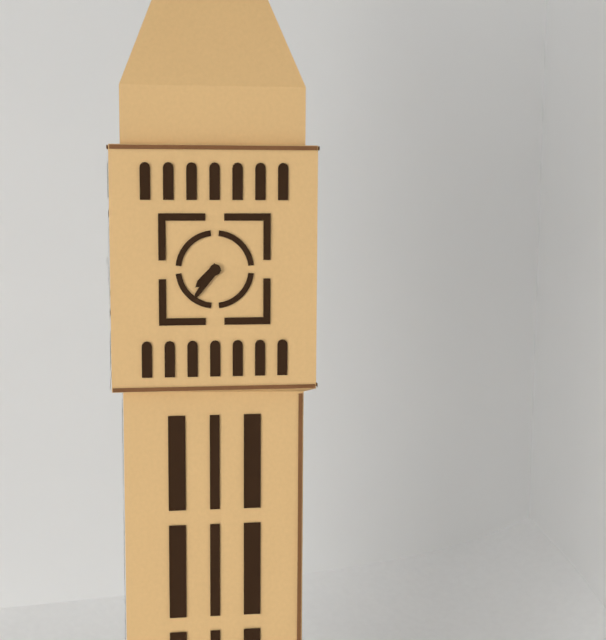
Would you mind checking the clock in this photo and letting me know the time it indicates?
7:36
